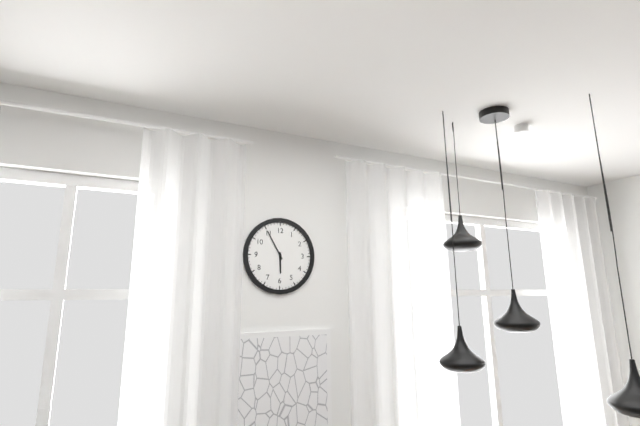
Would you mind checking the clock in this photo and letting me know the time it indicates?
5:55
